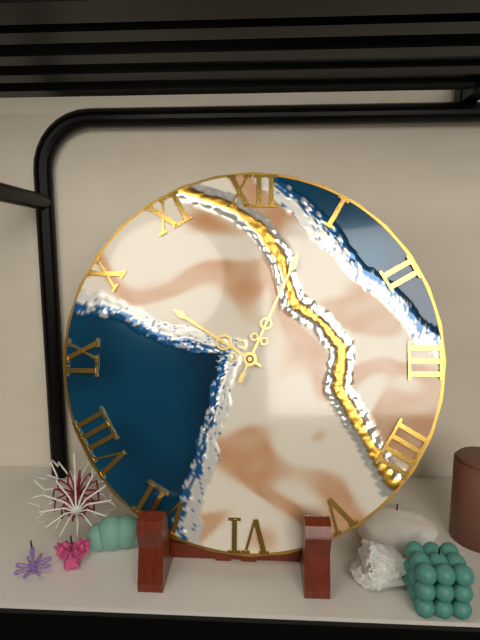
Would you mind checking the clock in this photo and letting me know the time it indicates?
10:04
